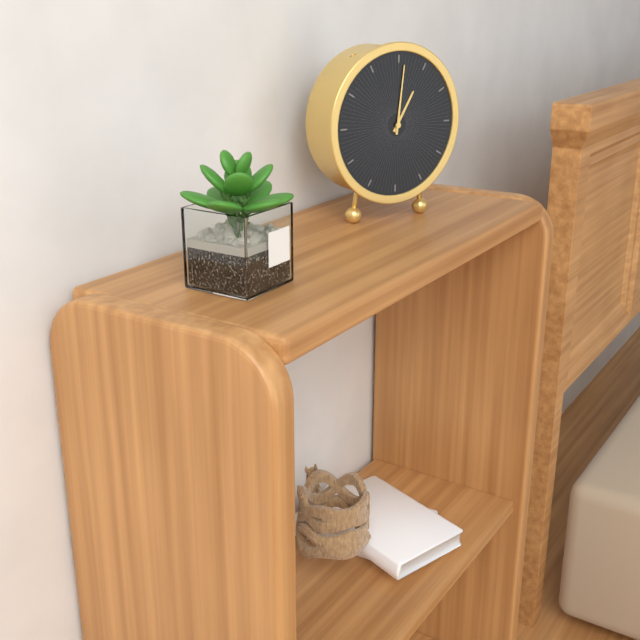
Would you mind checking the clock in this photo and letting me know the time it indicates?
1:01
